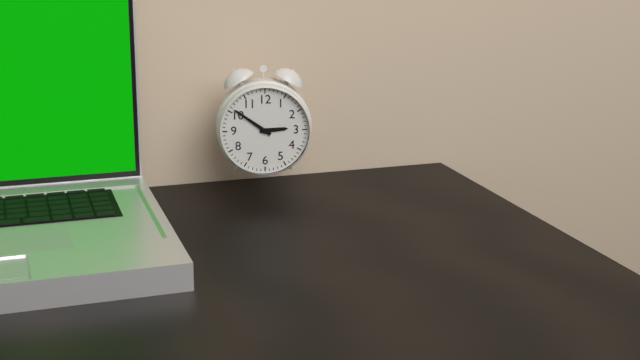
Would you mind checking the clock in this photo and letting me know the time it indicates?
2:51
